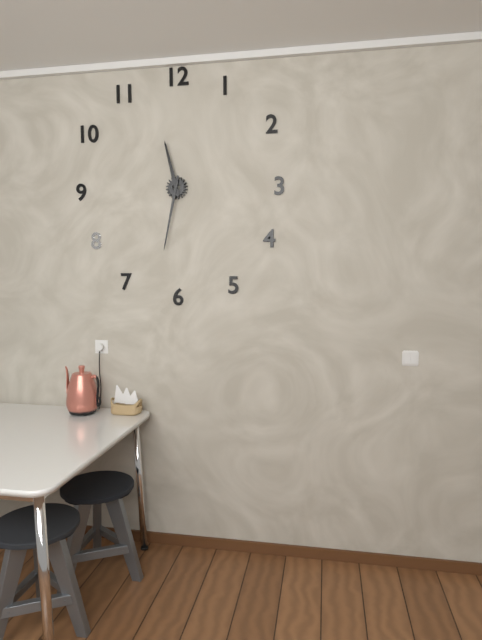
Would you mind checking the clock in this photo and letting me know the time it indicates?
11:32
